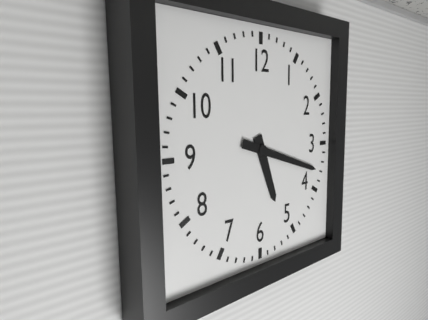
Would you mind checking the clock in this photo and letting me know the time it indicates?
5:18
